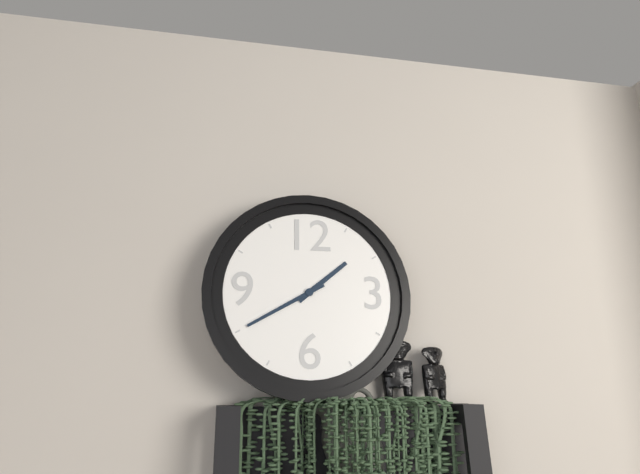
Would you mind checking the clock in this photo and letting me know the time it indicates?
1:40
